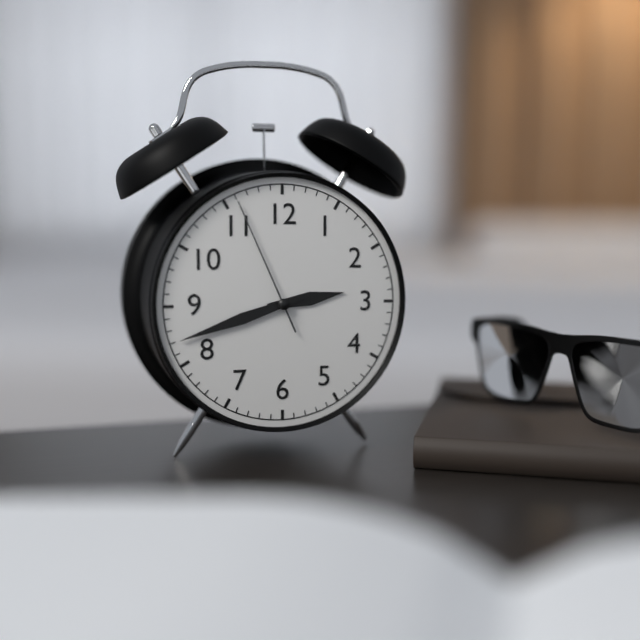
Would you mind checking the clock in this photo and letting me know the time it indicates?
2:42:56
